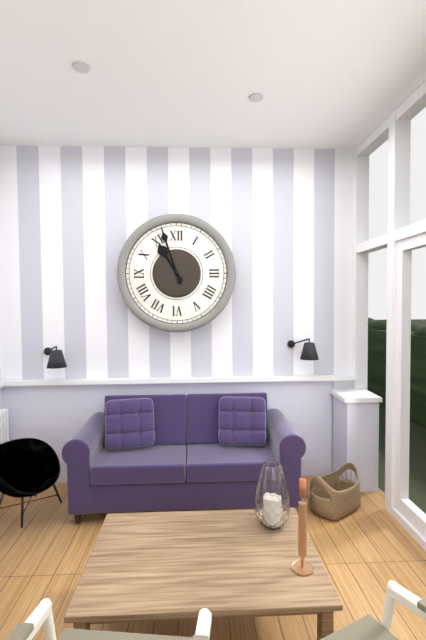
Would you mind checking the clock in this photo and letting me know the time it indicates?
10:57
